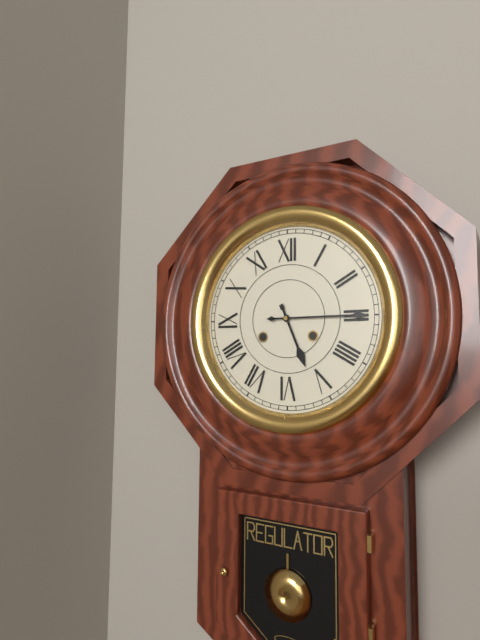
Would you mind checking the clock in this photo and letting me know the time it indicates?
5:15
